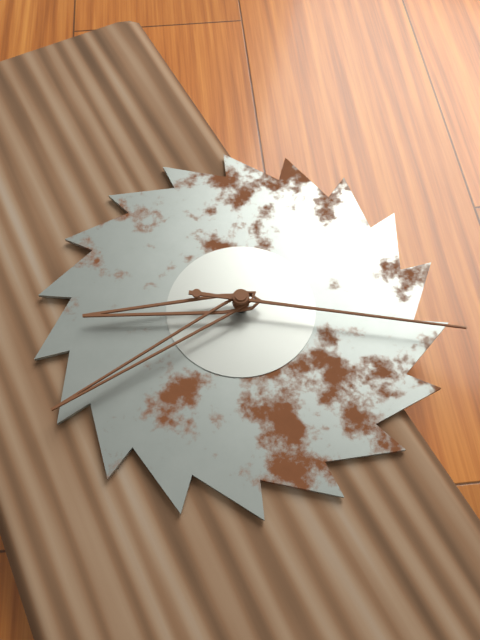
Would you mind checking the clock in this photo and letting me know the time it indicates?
9:44:21
